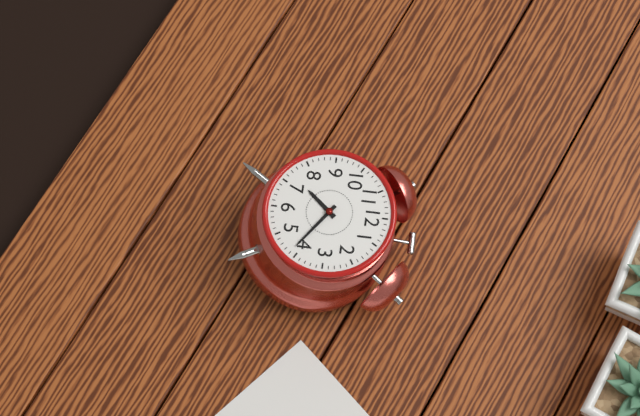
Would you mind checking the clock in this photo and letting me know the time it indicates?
7:21
